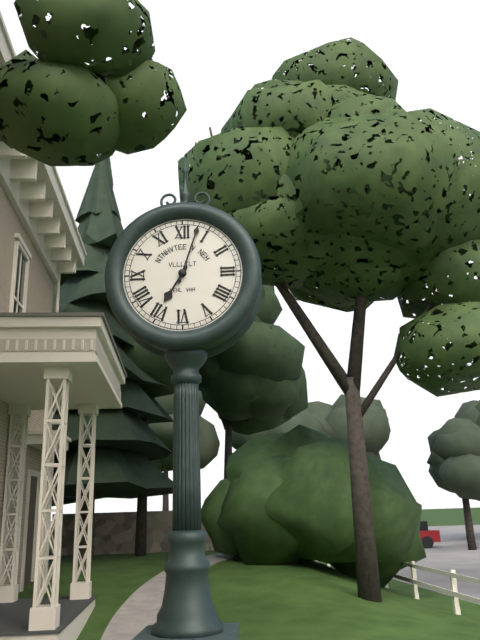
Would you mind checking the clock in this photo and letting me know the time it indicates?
7:03
